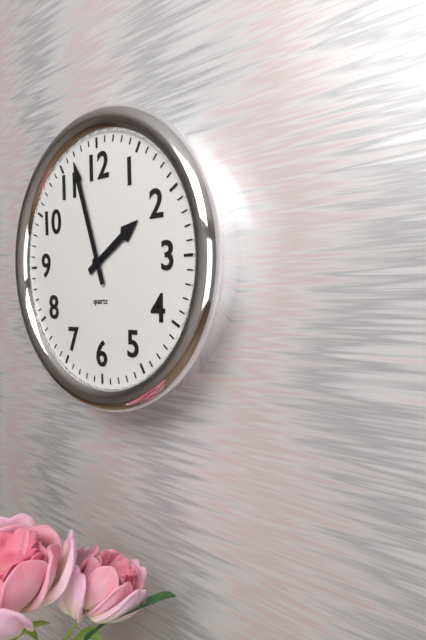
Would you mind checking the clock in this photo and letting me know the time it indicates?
1:57
